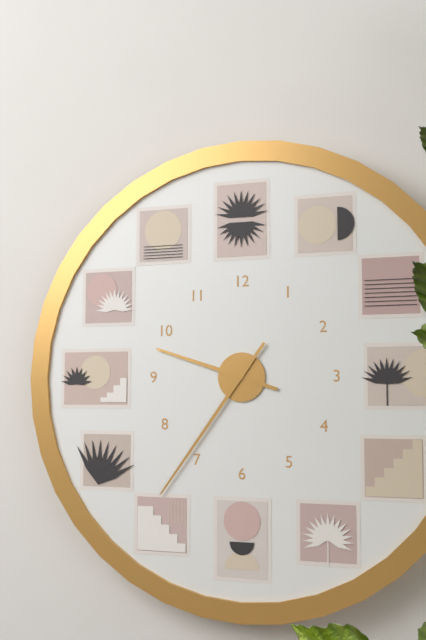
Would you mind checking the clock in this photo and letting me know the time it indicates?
9:36
